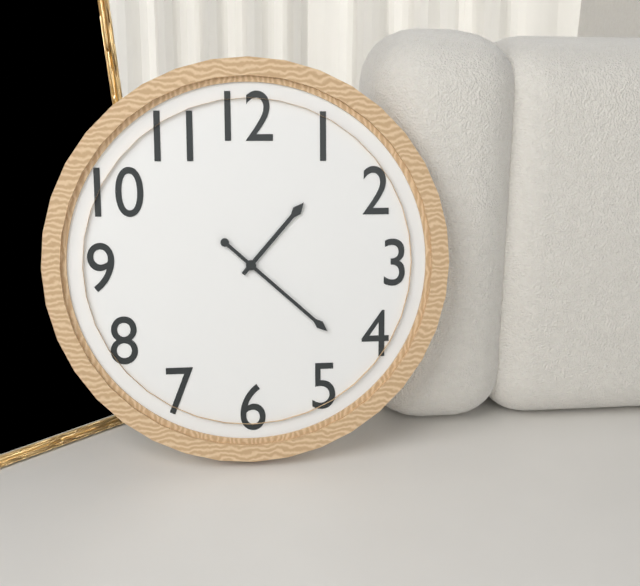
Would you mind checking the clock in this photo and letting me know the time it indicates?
1:22
